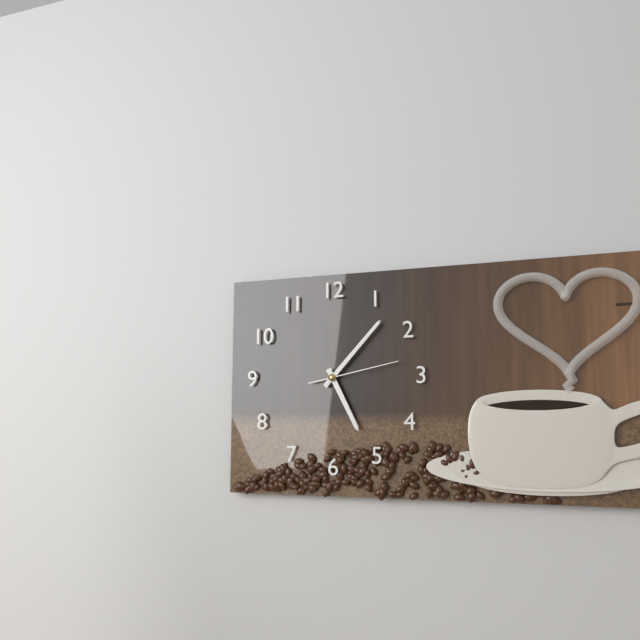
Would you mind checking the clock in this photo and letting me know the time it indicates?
5:07:13
